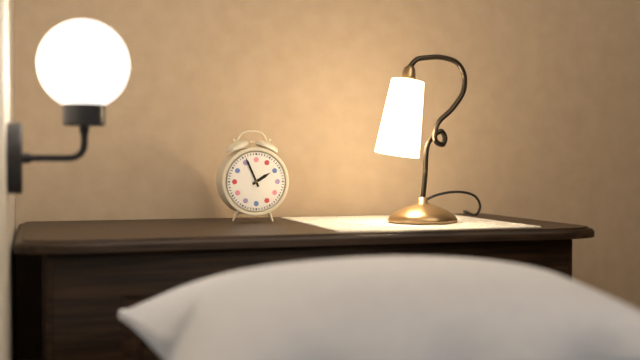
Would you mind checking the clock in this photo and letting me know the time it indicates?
1:56
